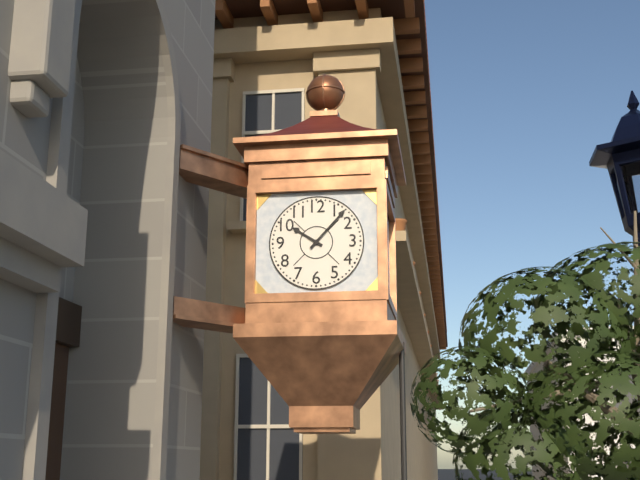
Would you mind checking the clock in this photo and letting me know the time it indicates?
10:07
